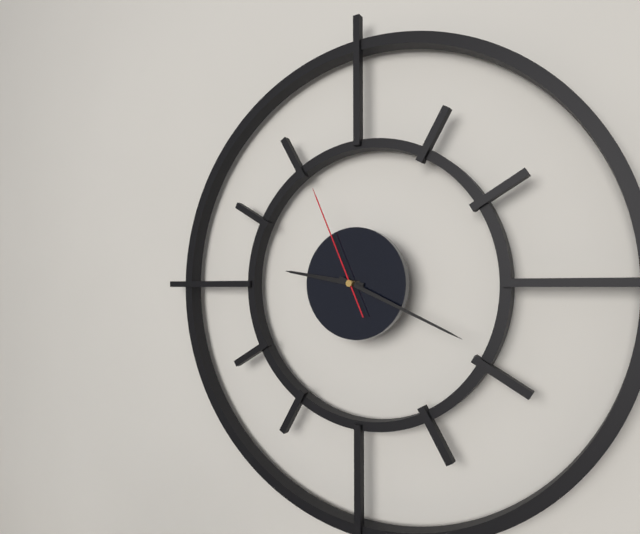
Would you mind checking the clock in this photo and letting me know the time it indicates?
9:19:56
